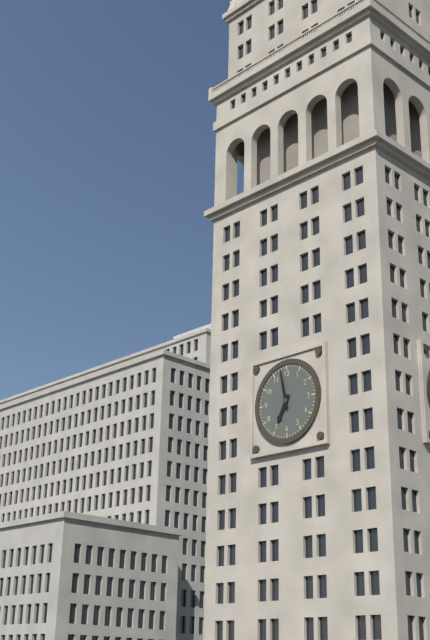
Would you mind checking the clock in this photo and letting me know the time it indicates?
6:58
